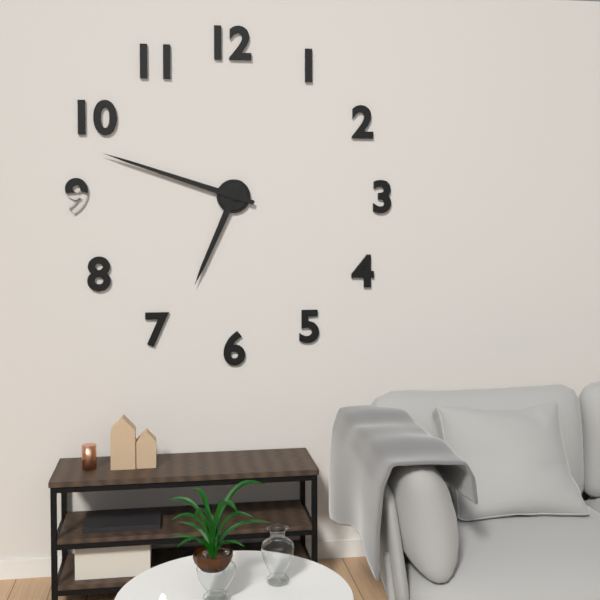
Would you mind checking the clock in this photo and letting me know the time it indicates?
6:48
